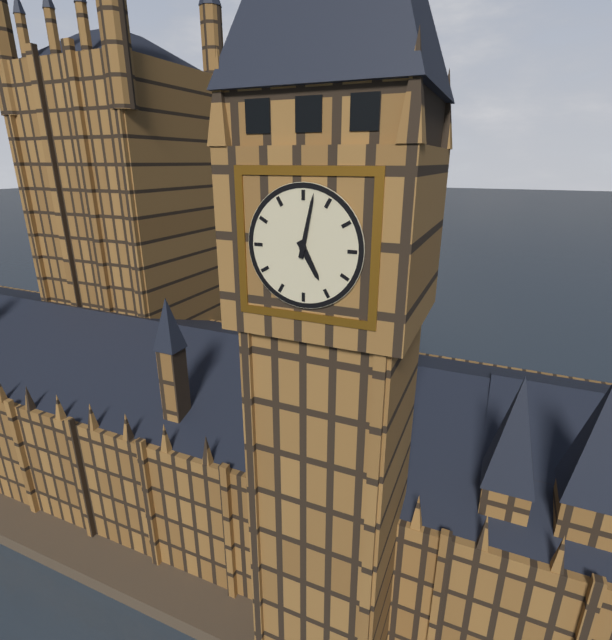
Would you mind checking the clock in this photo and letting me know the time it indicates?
5:02
